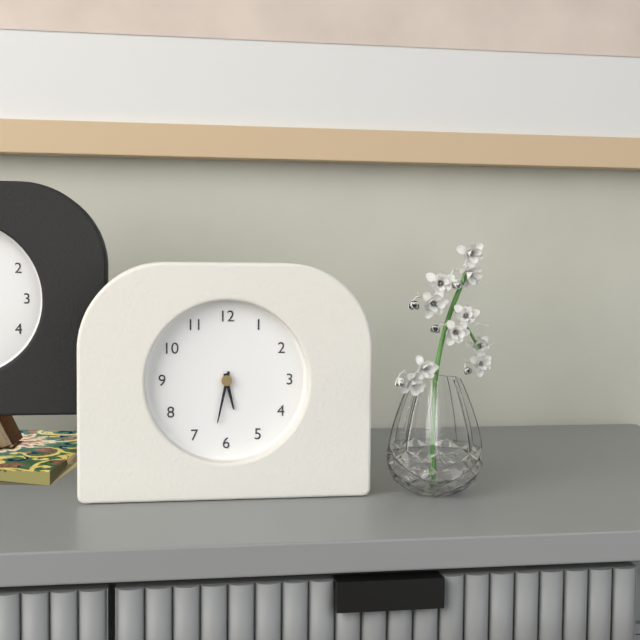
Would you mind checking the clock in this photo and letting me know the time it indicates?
5:32
